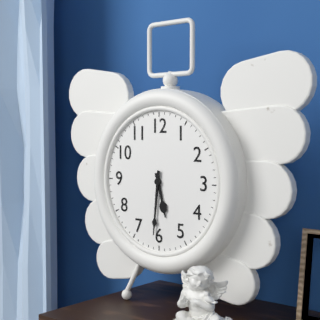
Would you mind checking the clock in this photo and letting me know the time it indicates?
5:31
